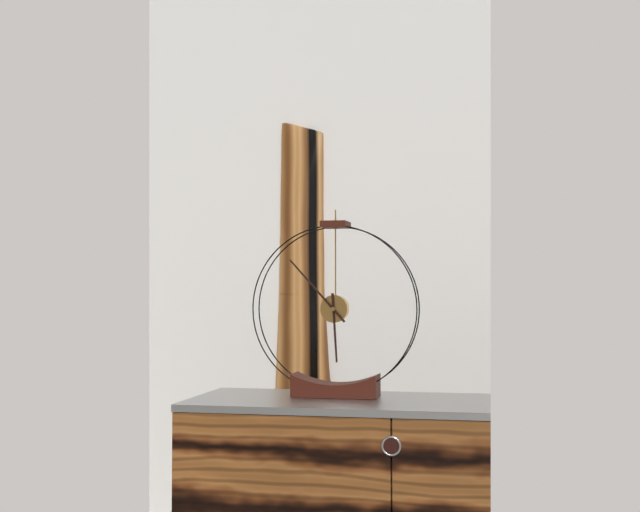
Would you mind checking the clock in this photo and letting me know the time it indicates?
5:53
